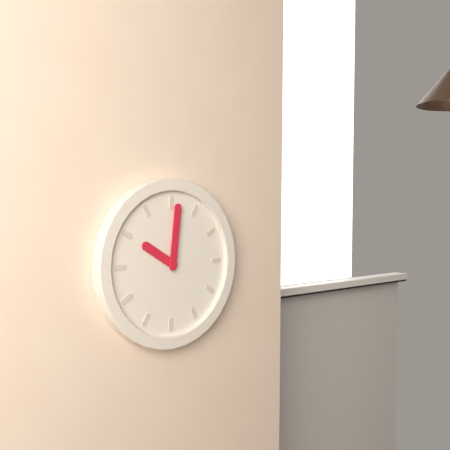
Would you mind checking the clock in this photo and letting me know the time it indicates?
10:01
